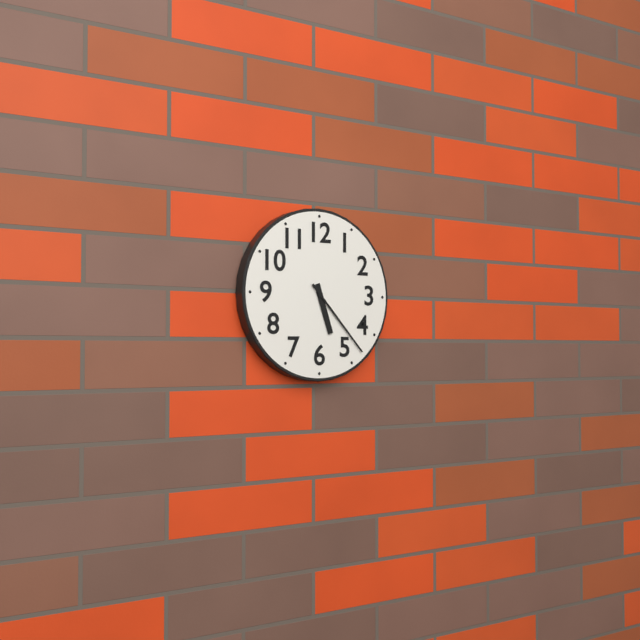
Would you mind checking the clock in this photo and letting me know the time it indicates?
5:23
